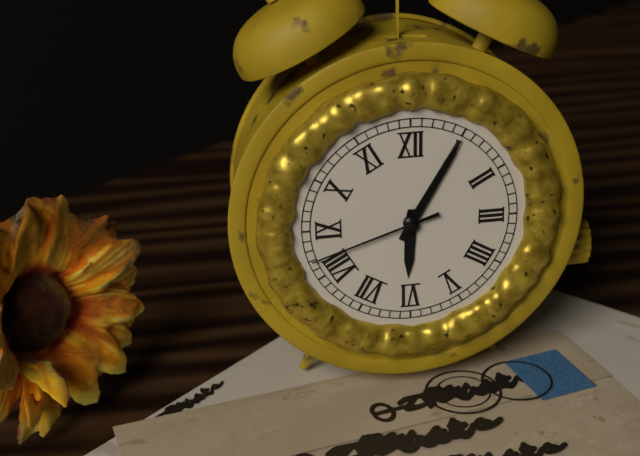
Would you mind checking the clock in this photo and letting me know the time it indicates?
6:05:42
